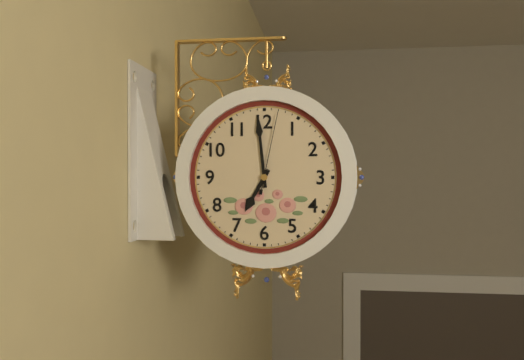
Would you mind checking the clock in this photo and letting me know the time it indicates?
6:59:02
